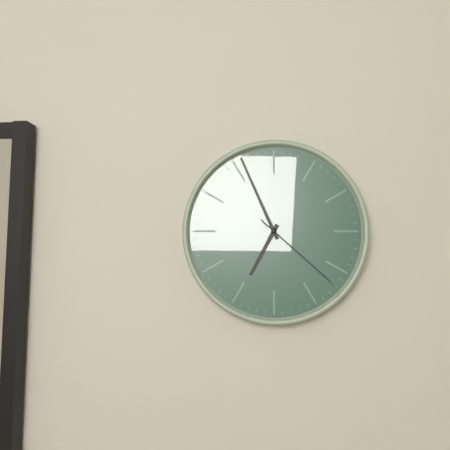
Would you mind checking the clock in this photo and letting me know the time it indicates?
6:56:22
